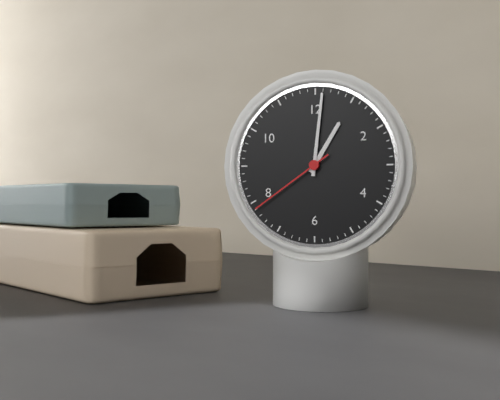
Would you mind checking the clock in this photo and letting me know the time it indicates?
1:01:39
